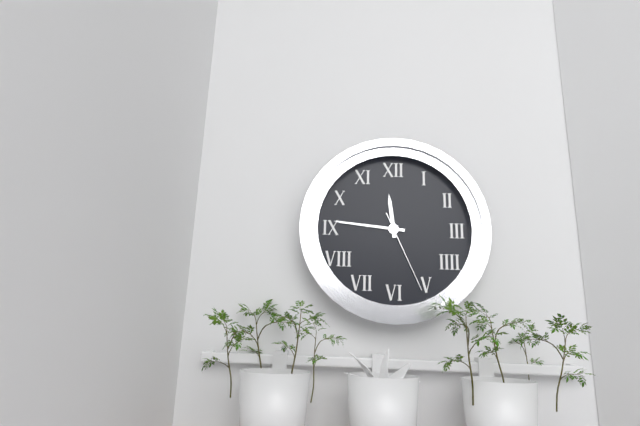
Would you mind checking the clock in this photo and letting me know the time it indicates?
11:46:26
